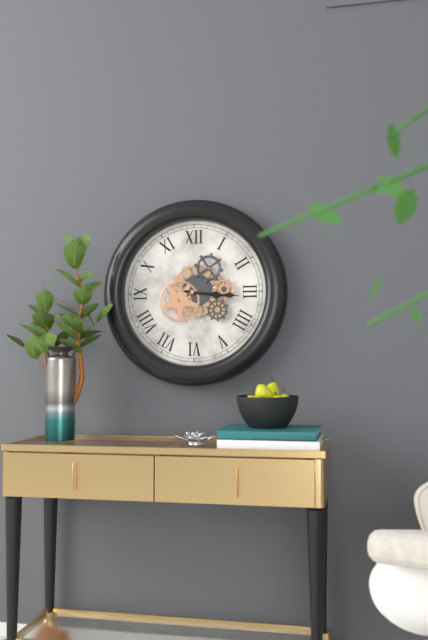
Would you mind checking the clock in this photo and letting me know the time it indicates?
3:16
